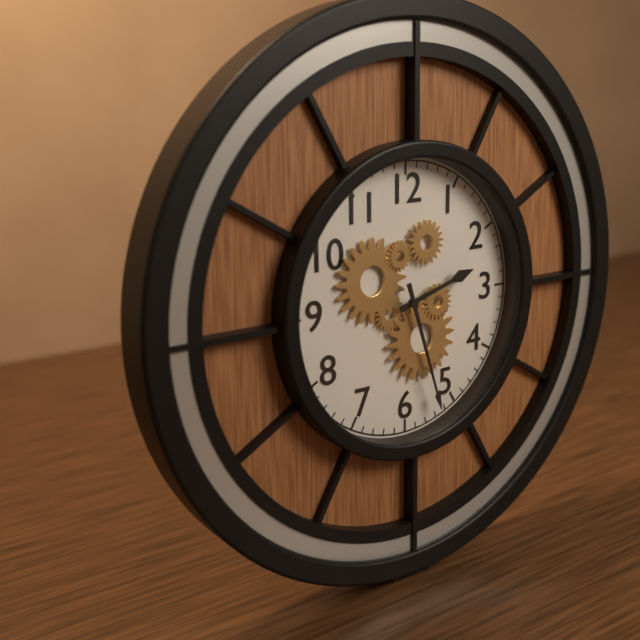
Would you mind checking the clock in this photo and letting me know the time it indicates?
2:27
